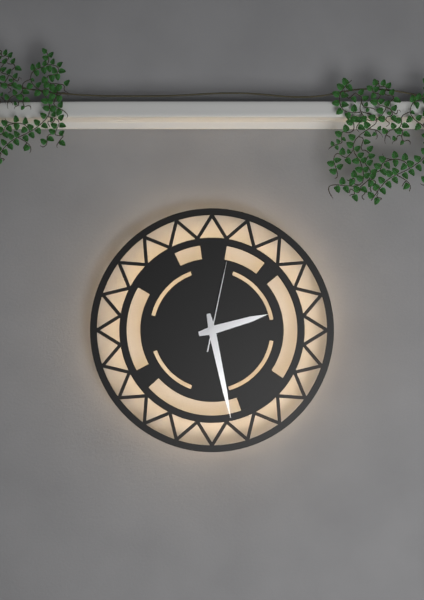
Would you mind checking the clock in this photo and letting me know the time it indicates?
2:28:02
